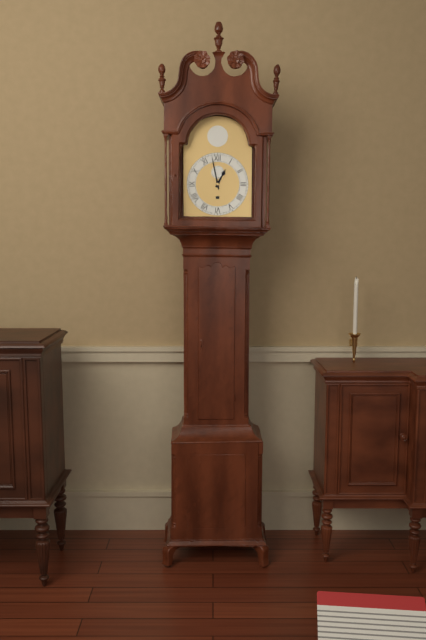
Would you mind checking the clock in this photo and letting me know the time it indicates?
12:58
